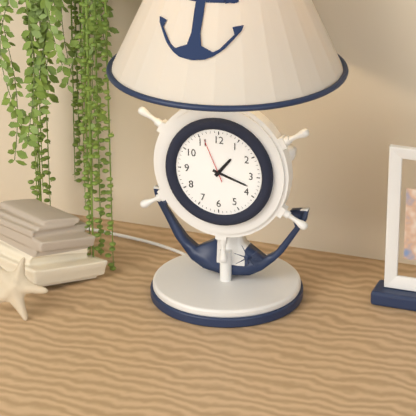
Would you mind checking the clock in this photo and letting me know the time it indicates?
1:18
